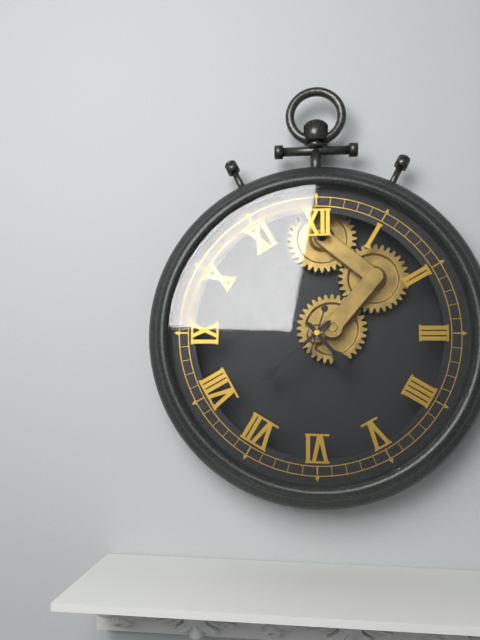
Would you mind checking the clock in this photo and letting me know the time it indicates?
4:38:33
